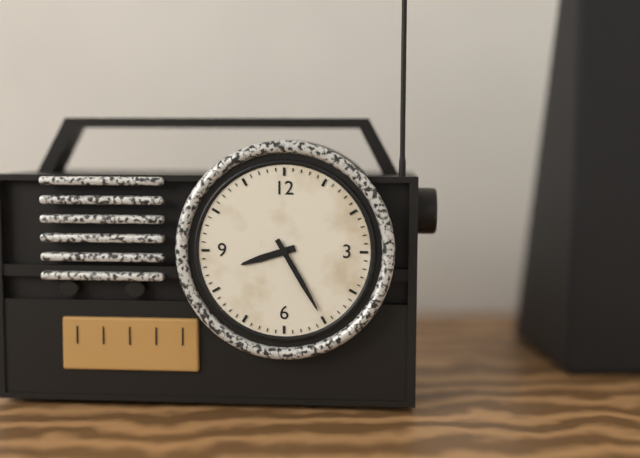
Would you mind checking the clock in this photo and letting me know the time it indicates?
8:25
